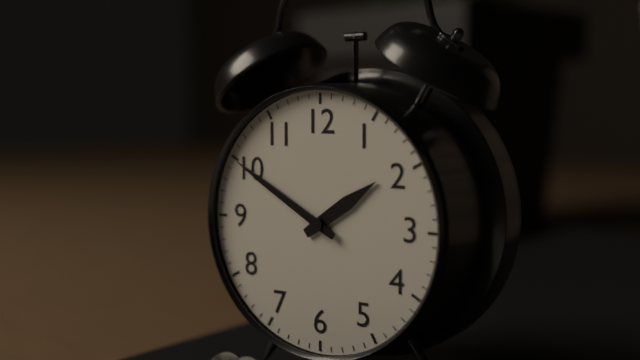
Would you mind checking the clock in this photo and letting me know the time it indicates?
1:50
